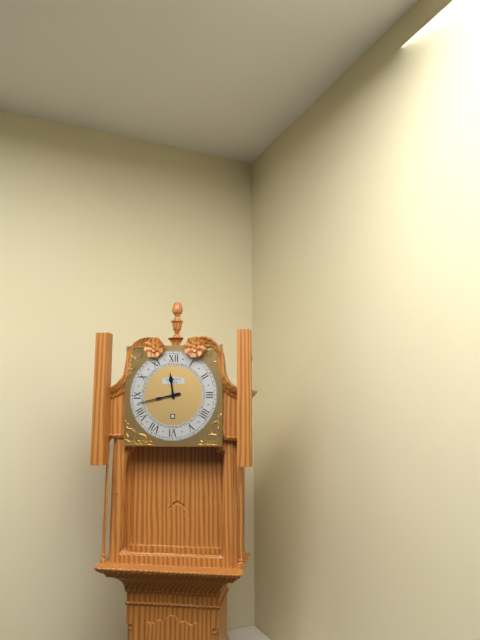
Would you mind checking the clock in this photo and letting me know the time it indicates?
11:43
